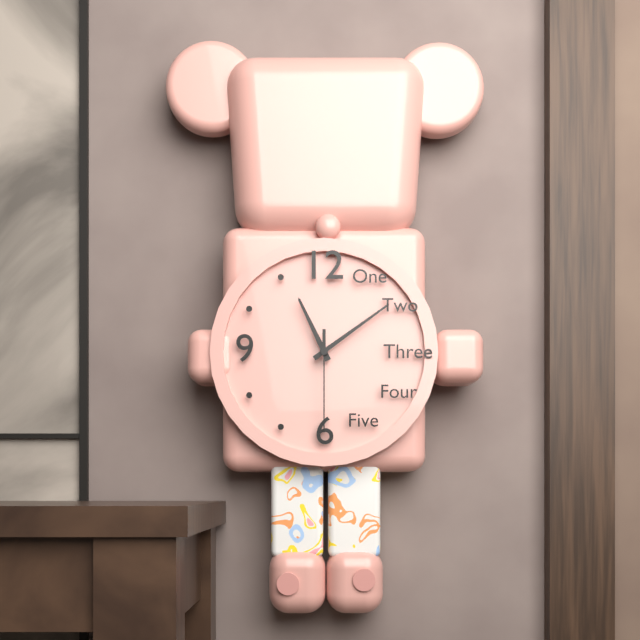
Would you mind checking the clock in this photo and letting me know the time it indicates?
11:09:30
